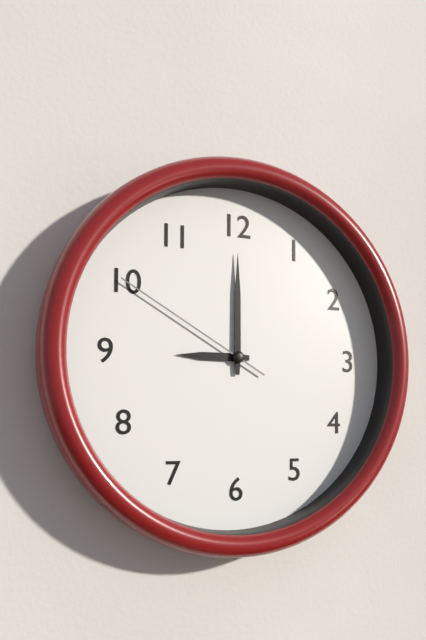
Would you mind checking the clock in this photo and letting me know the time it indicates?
9:00:50
